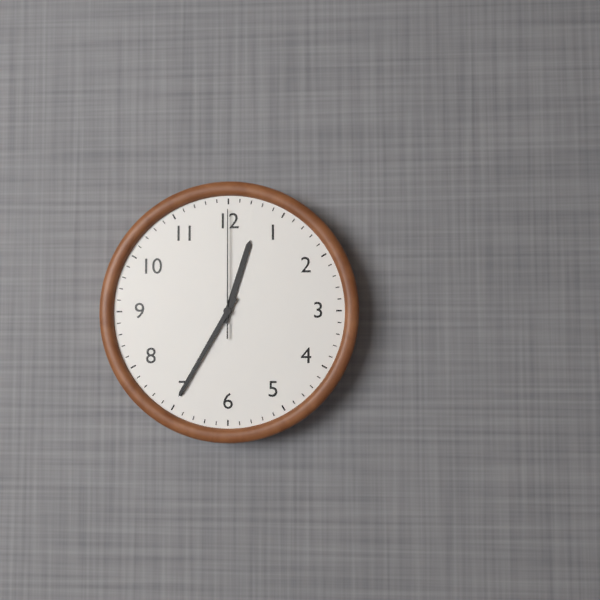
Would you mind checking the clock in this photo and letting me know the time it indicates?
12:35:00
